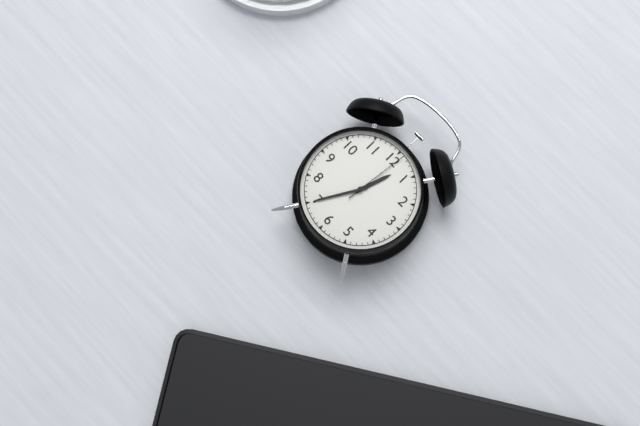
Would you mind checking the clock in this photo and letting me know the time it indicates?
12:35:01
